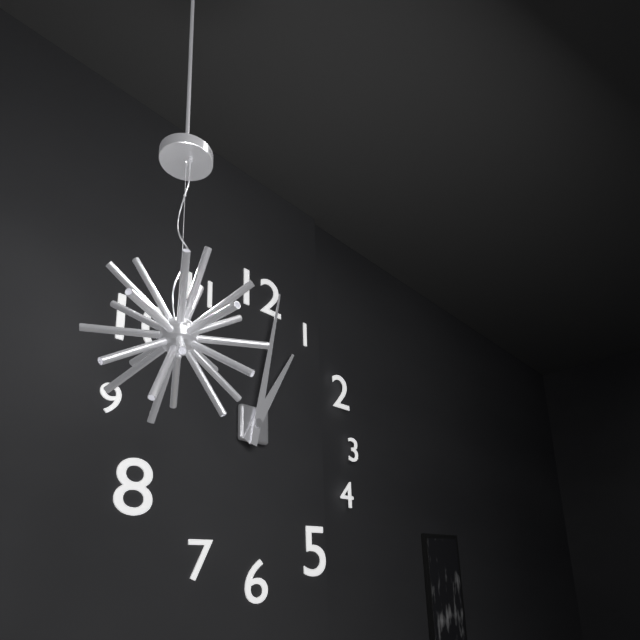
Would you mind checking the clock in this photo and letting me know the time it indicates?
1:02
